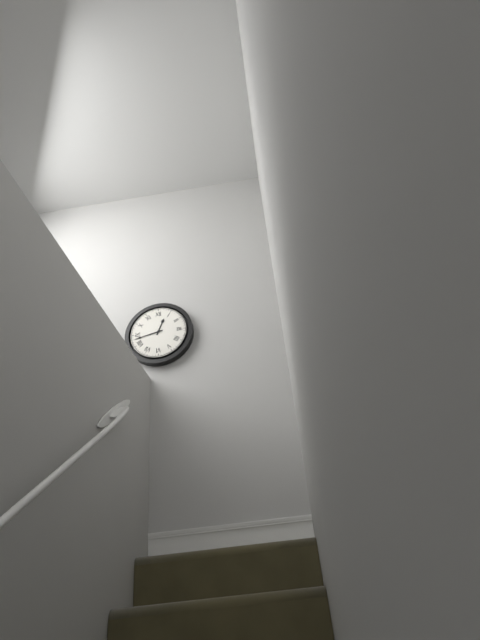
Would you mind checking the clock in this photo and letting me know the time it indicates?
12:43
